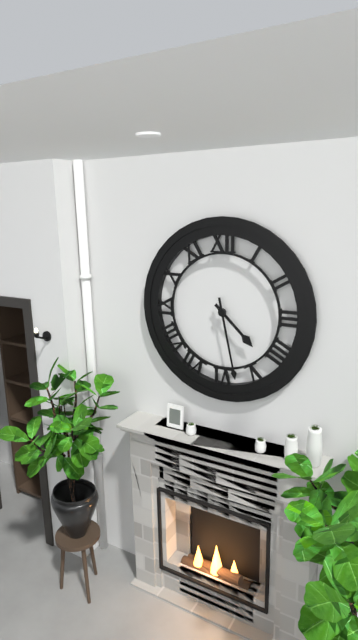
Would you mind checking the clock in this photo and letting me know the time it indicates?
4:28
